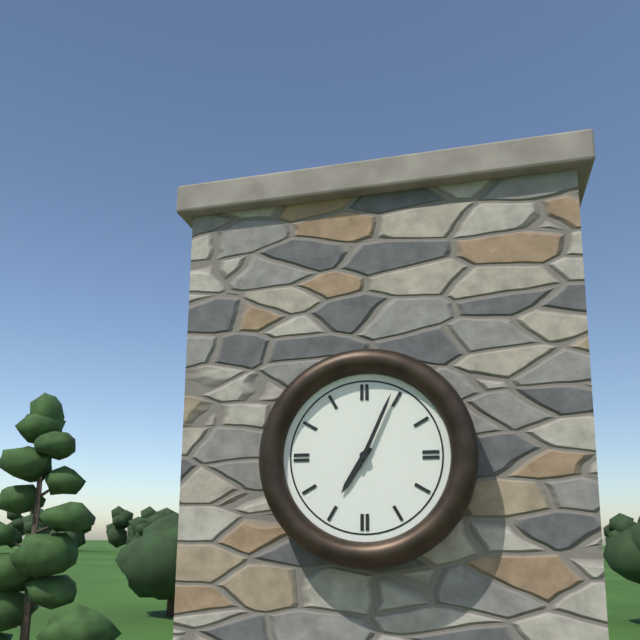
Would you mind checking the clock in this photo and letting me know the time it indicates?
7:04
